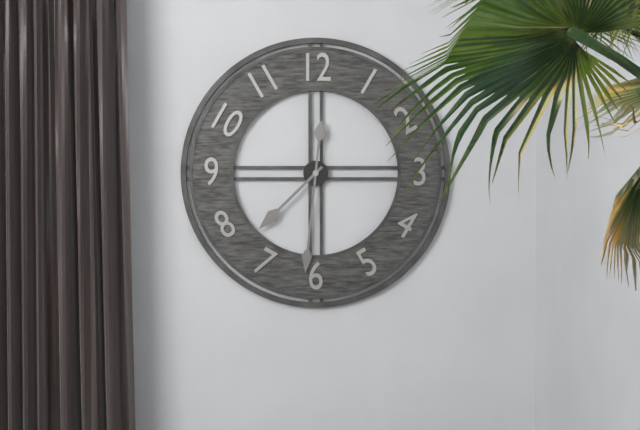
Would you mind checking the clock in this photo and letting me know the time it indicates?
7:31
